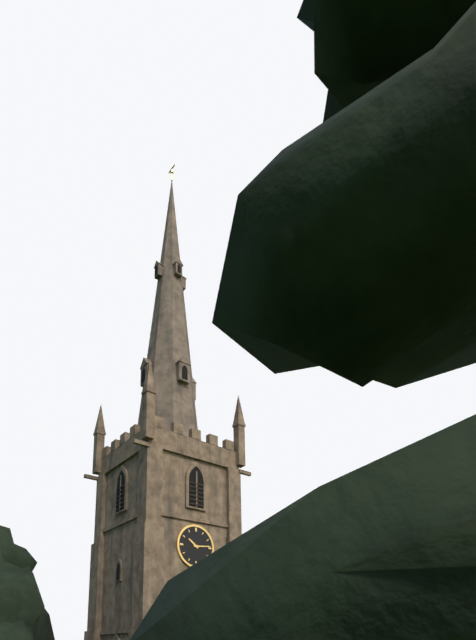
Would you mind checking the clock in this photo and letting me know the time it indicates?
10:14
